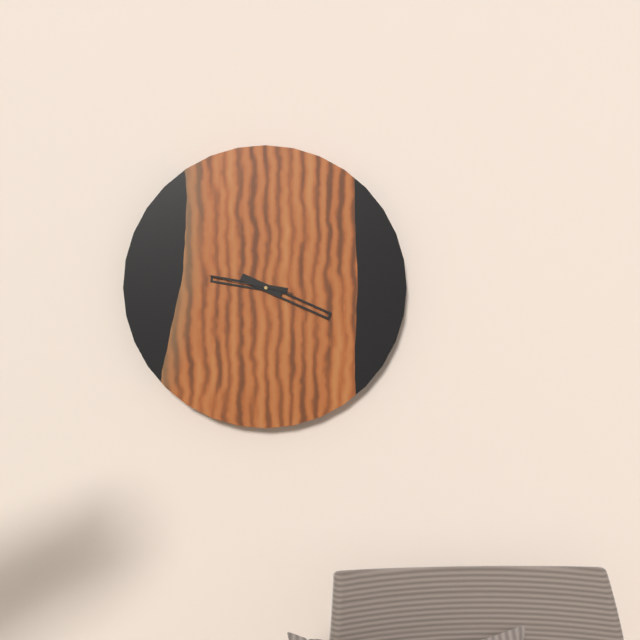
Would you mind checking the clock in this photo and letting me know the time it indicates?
9:19:47
